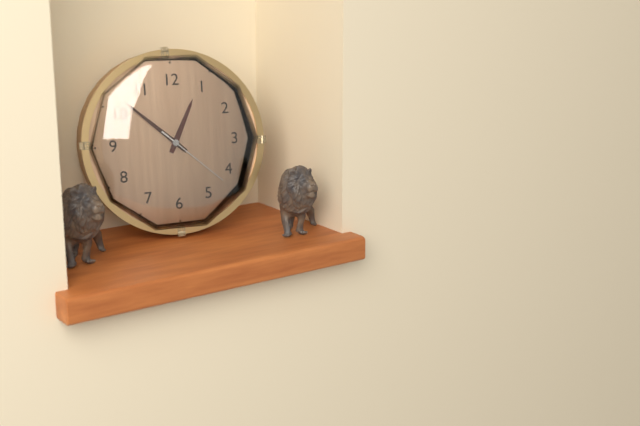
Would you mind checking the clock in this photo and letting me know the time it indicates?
12:52:22
